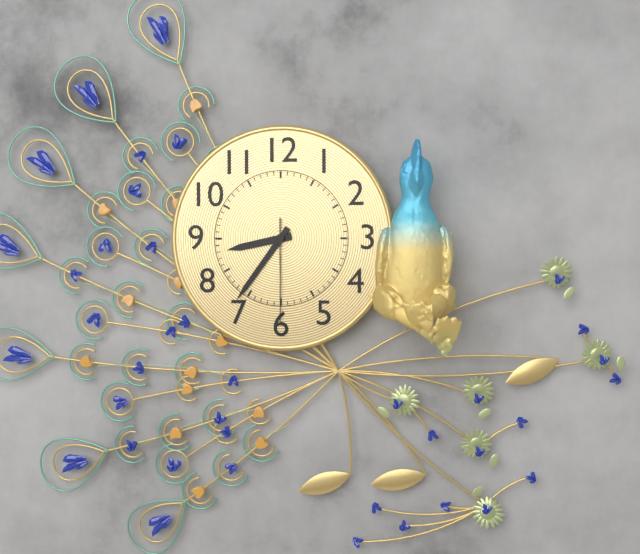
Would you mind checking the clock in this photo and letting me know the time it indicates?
8:36:30
